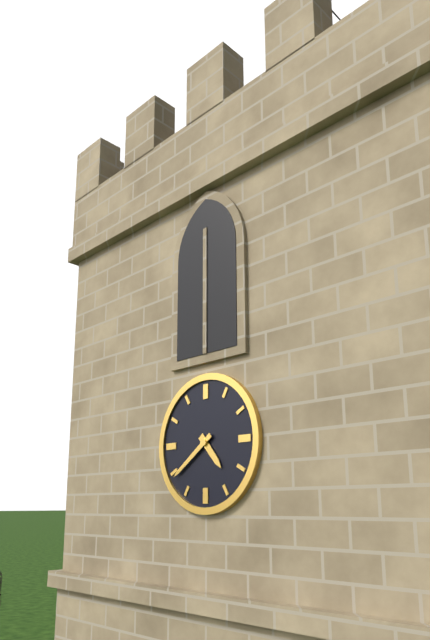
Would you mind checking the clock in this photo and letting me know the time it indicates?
4:39
